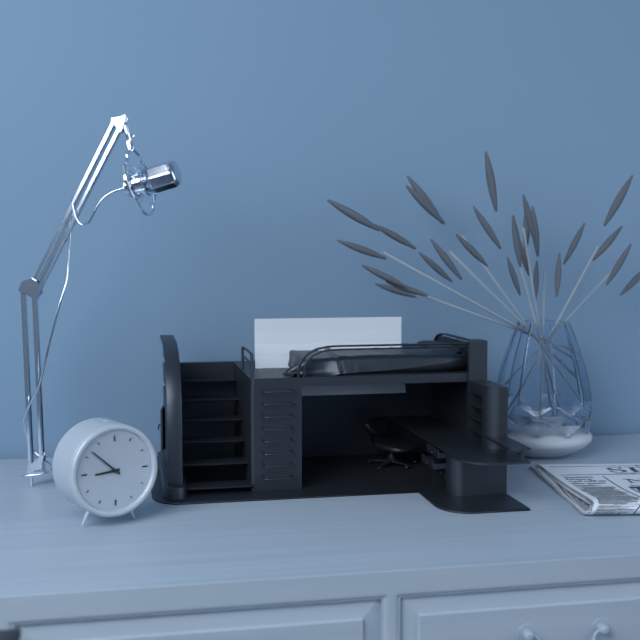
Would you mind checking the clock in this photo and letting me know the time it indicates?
8:52
